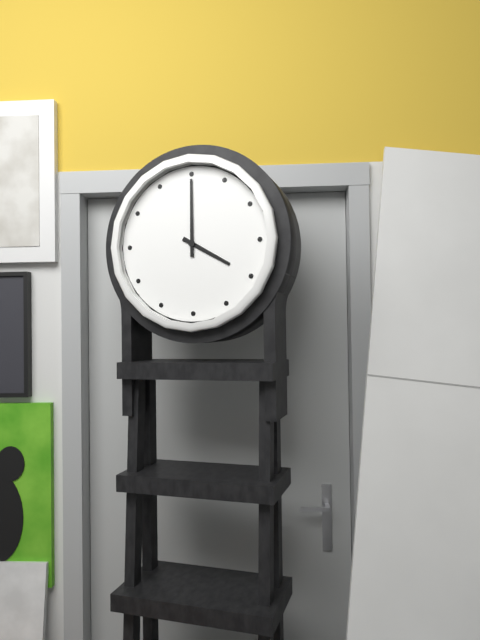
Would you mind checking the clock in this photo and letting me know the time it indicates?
4:00
